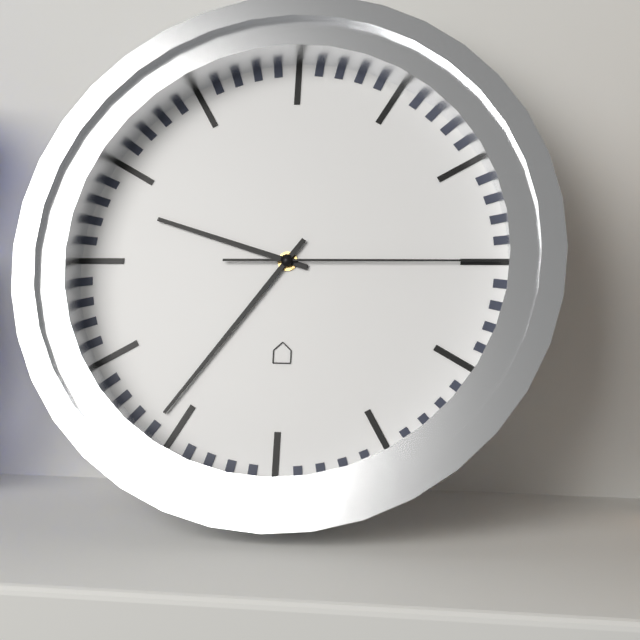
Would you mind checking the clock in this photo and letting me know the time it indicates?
9:36:15
